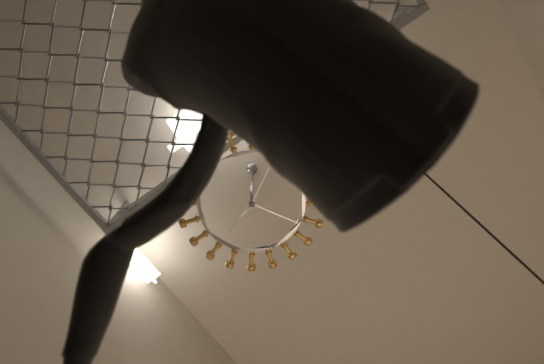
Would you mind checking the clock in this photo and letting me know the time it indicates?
8:25:10
